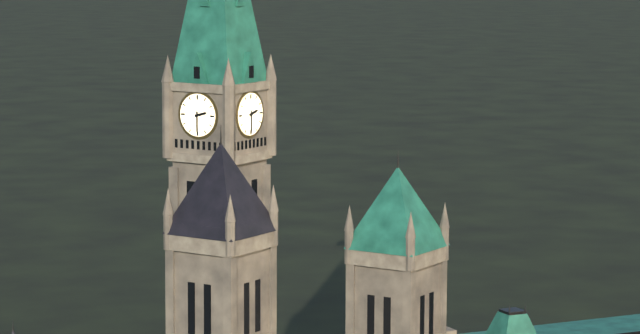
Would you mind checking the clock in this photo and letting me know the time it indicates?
2:30
